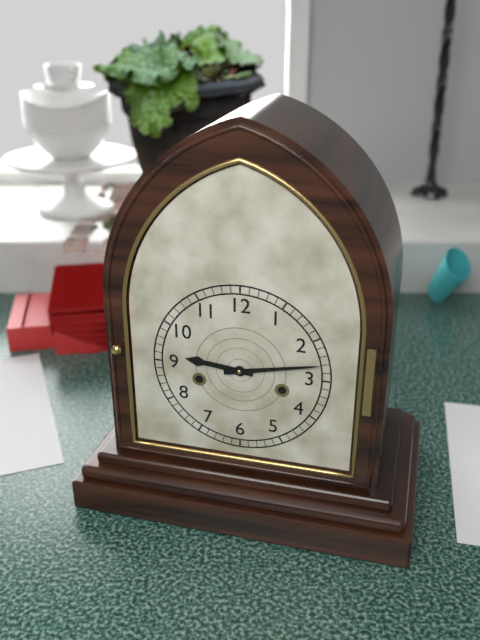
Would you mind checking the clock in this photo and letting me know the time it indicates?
9:13
